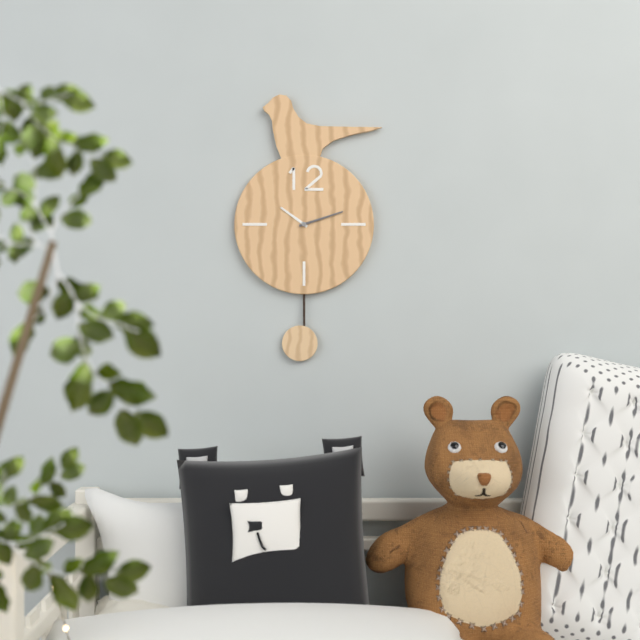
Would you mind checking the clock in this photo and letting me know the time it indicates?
10:12
